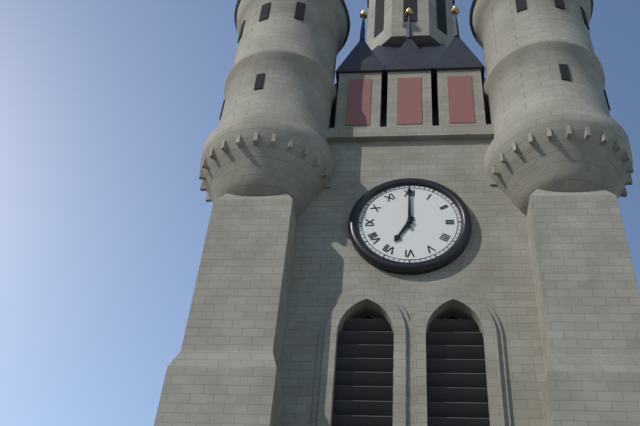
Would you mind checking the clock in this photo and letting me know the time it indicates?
7:00
